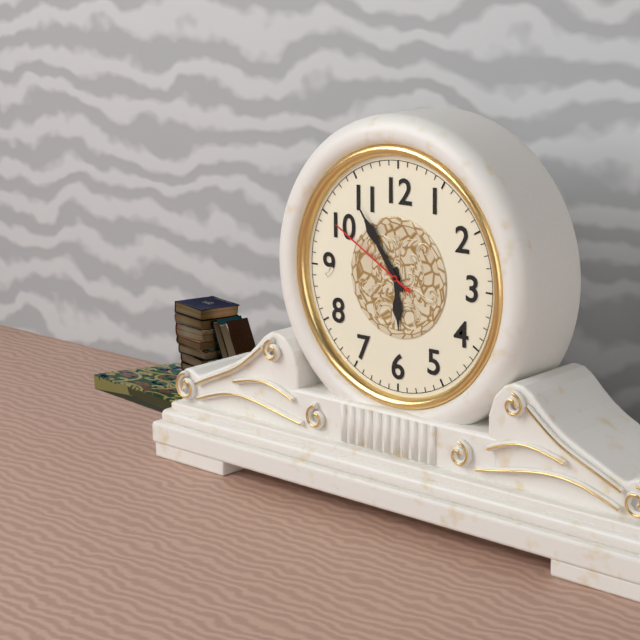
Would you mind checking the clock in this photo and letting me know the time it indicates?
5:54:50
